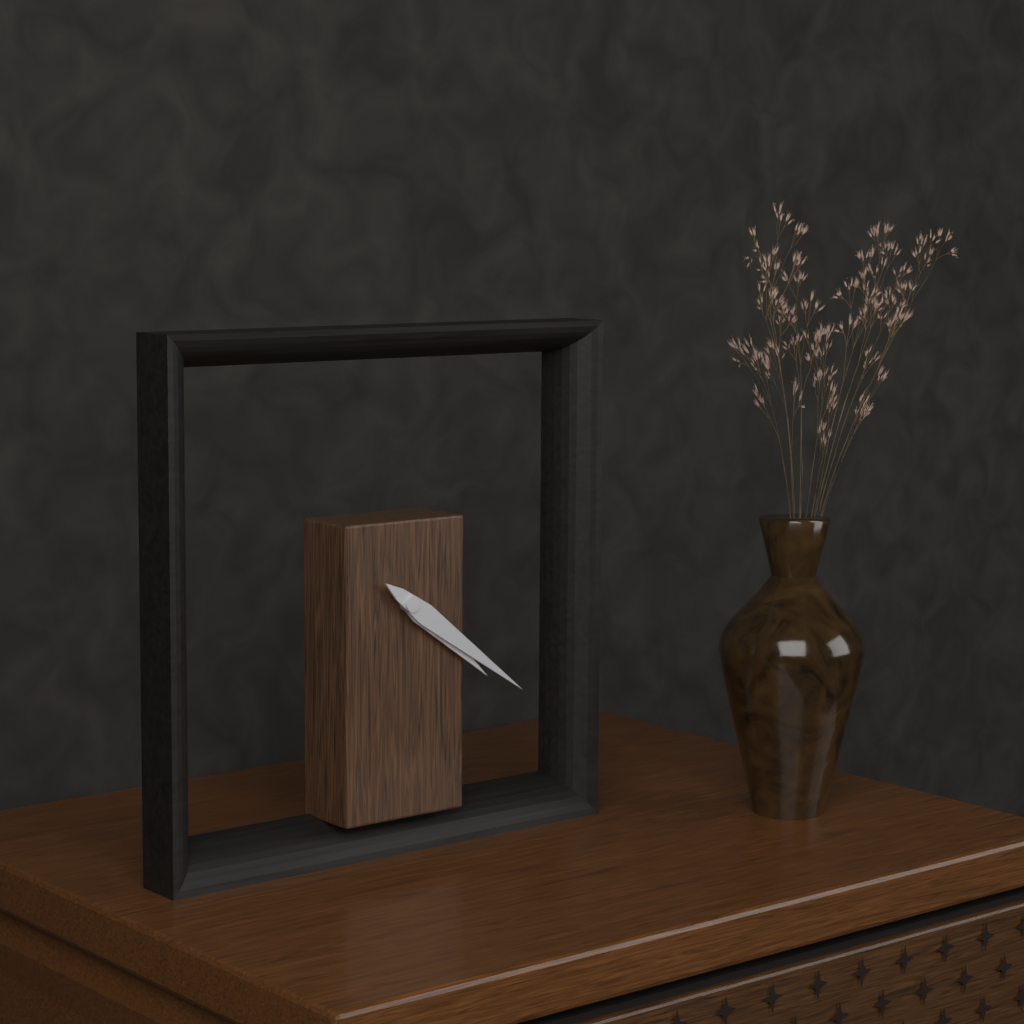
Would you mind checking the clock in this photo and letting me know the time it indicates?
4:21
